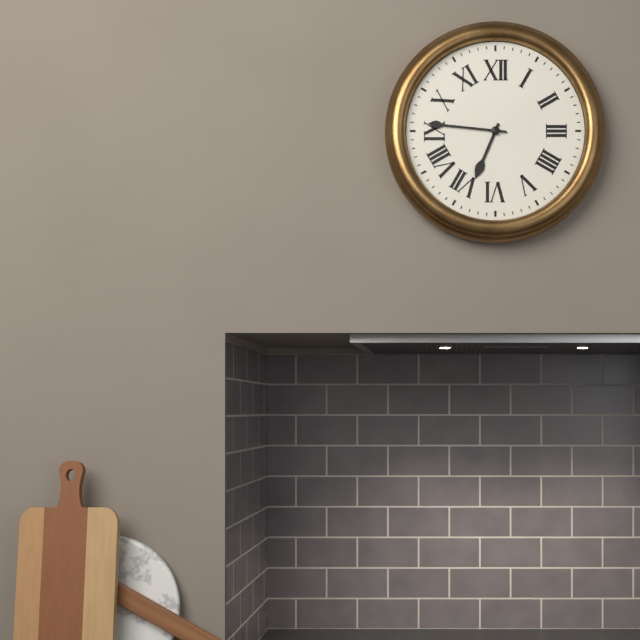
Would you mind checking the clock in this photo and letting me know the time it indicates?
6:46
